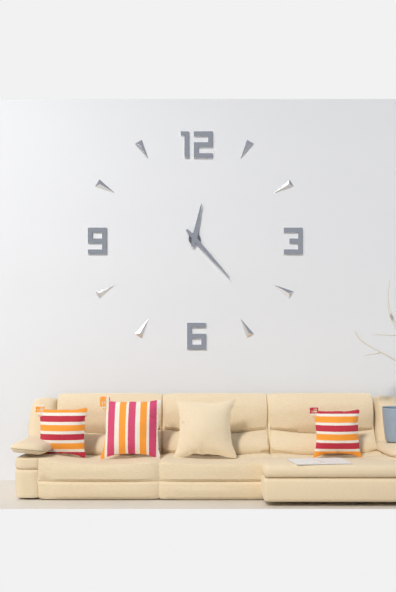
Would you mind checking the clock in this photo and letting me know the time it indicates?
12:23
